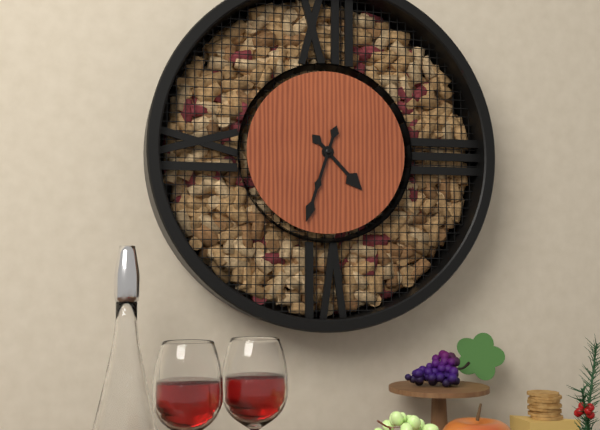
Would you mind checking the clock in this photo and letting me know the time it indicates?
4:33
